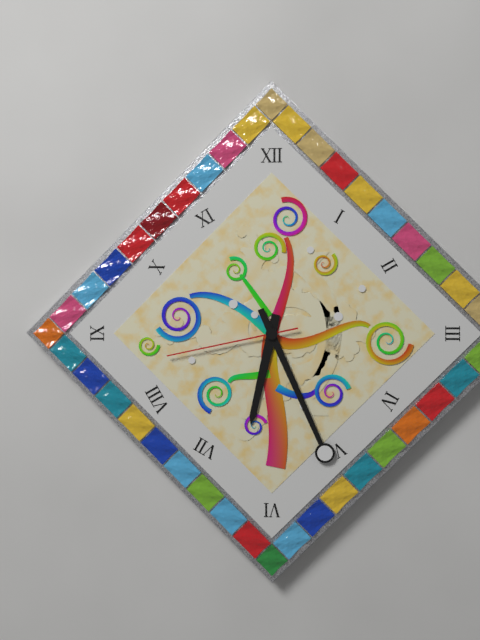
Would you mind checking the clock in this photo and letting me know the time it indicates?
6:26:43
